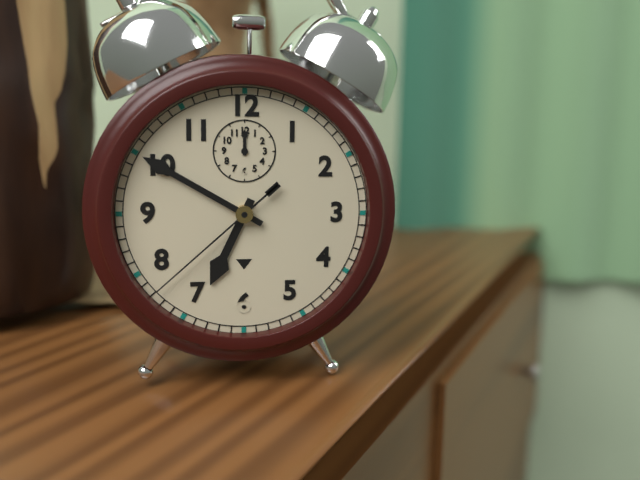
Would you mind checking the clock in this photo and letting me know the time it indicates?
6:50:38
